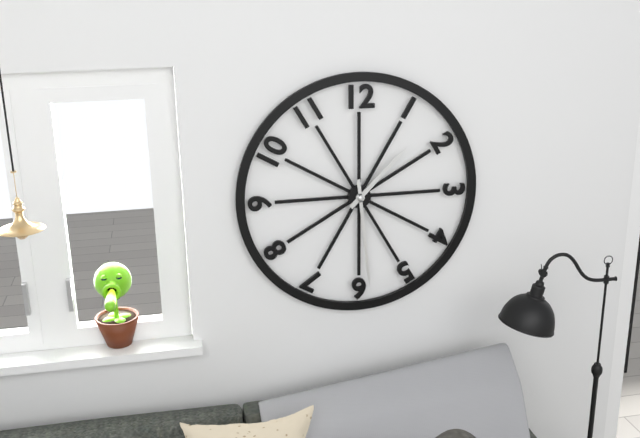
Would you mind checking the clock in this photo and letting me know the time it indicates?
1:29
